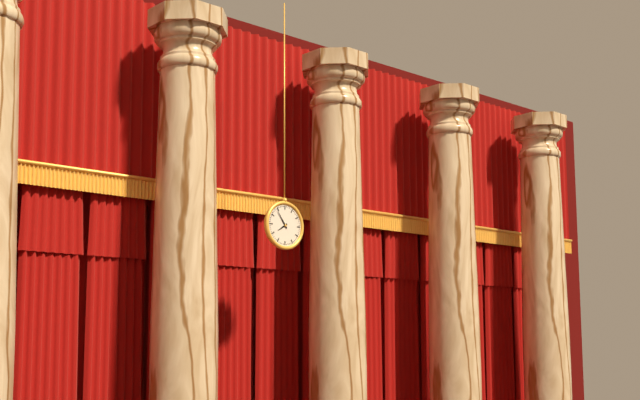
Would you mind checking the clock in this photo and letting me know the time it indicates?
7:54
